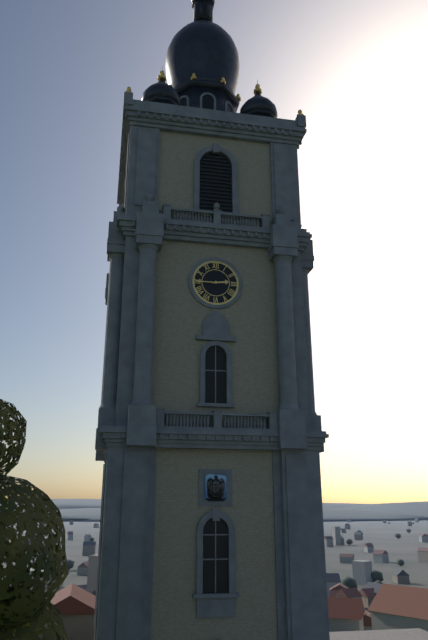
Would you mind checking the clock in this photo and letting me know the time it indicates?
2:45
